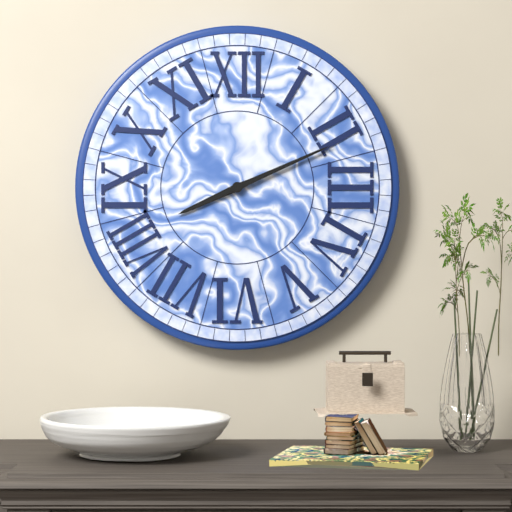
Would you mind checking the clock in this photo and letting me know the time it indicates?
8:11
